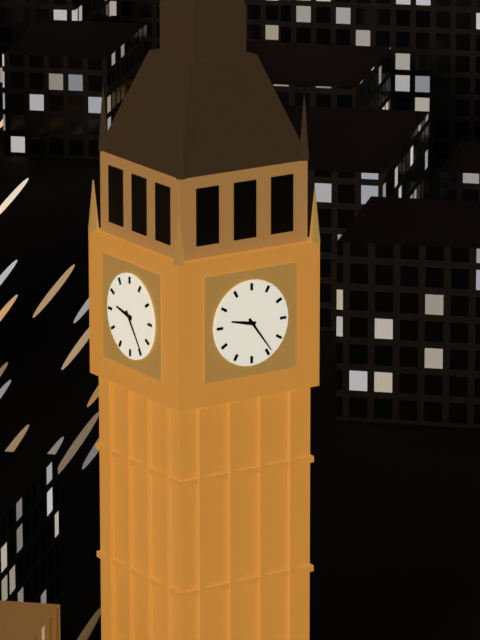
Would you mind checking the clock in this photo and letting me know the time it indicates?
9:24
